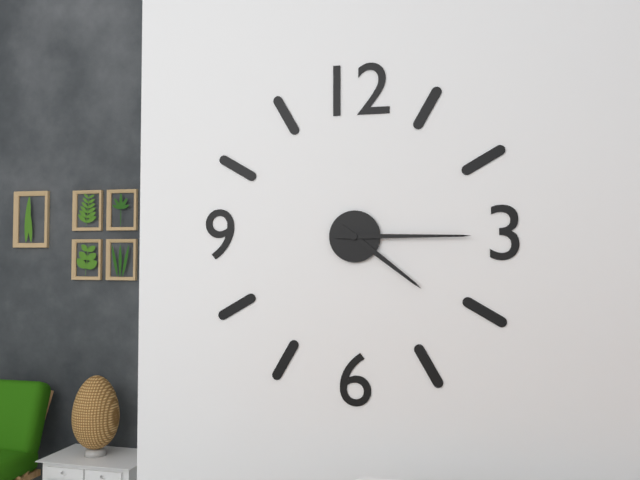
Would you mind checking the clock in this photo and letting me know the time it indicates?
4:15
